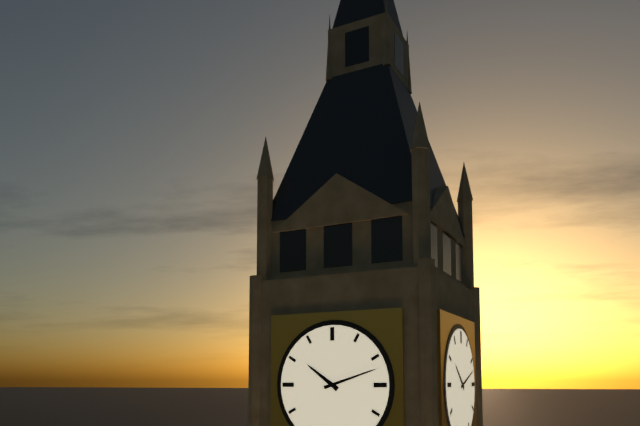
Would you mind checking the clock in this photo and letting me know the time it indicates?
10:12
